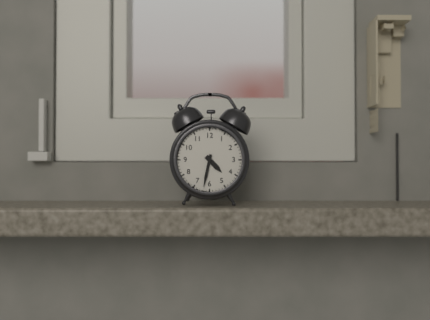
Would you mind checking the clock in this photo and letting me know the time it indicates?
4:32
